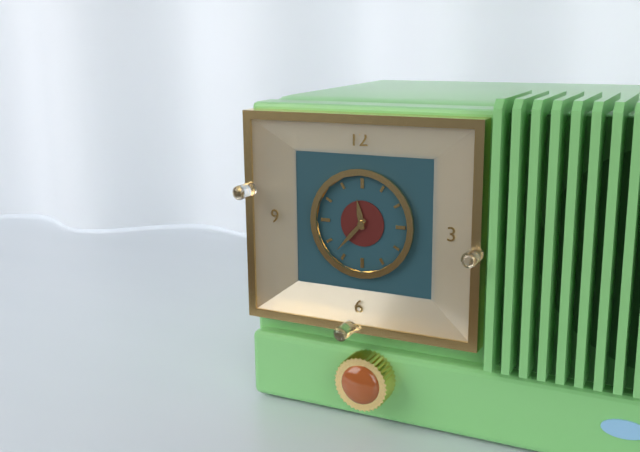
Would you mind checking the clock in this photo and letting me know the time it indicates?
11:37
